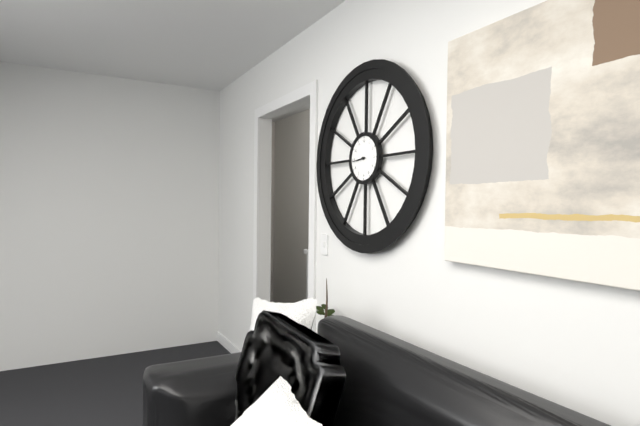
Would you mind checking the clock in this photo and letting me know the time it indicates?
8:44
